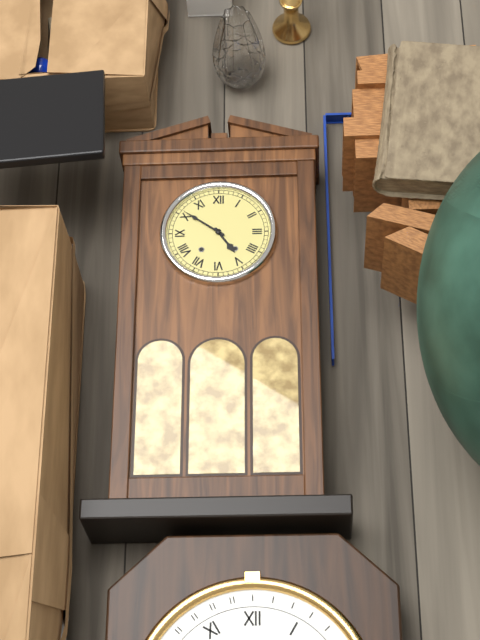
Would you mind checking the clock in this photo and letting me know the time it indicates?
4:51
